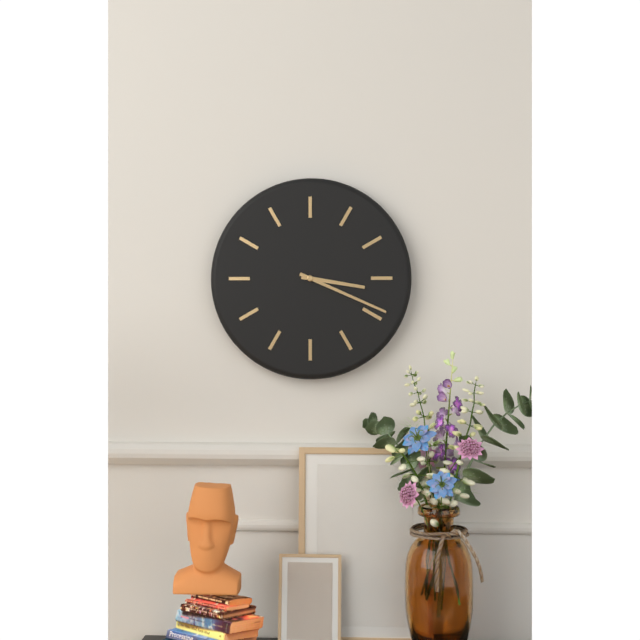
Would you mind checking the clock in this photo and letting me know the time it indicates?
3:19
